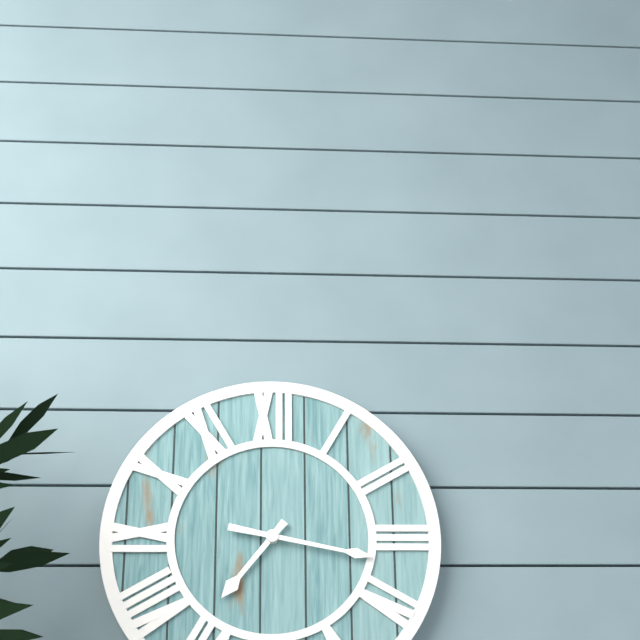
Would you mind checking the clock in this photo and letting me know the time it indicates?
7:17
